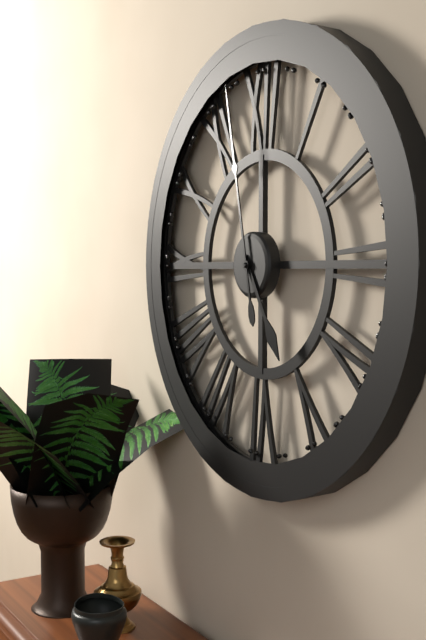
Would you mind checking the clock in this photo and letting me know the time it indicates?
4:58
